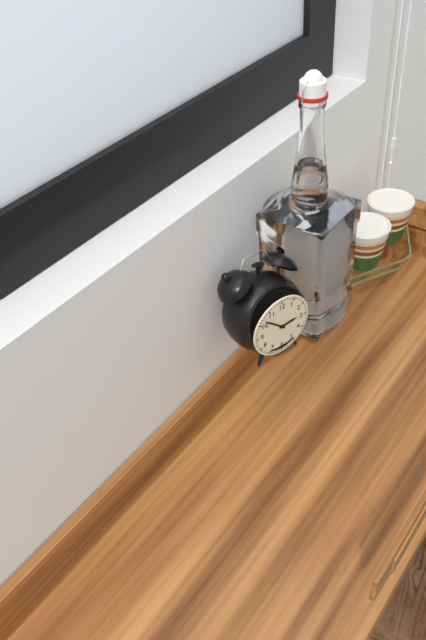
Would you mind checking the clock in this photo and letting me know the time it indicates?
2:52
